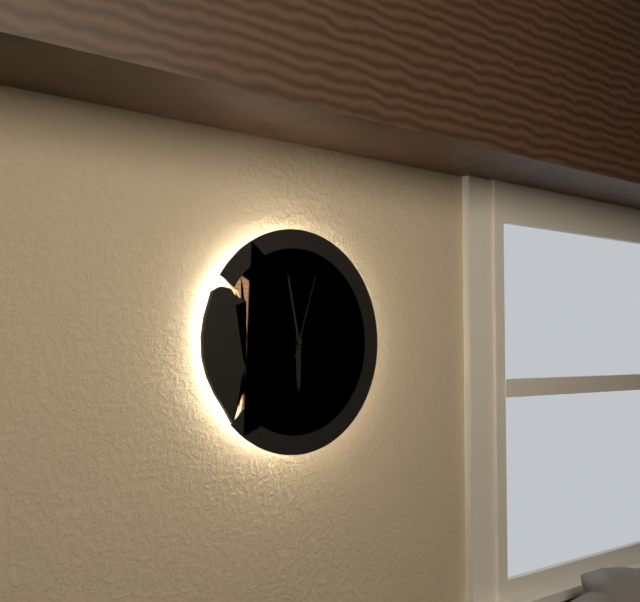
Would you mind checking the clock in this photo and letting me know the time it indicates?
5:58:03
